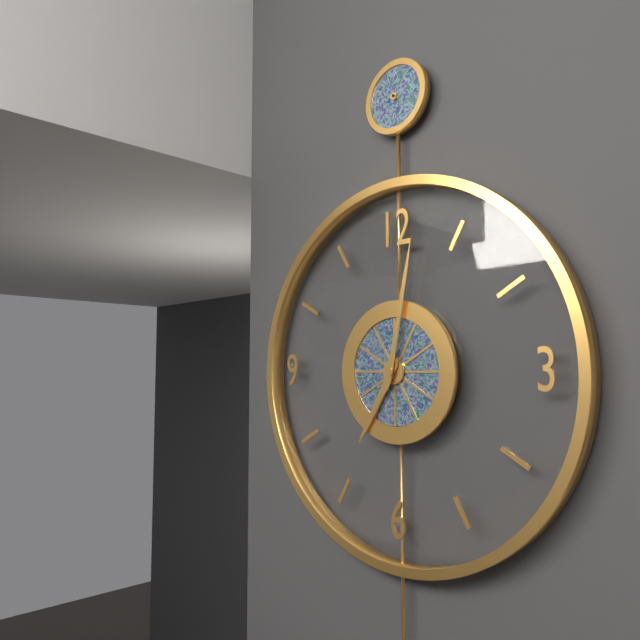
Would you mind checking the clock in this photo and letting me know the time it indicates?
7:02
